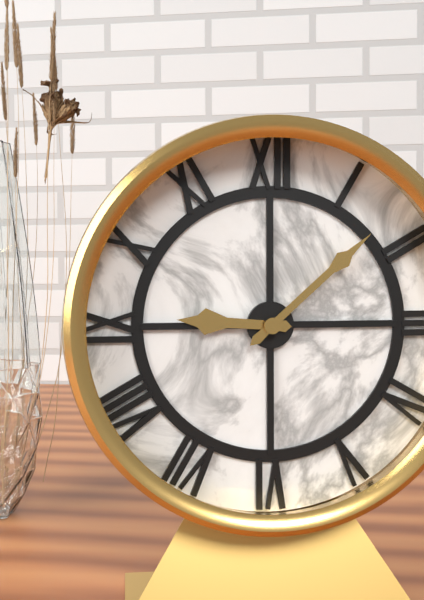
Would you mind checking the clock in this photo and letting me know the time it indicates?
9:08
